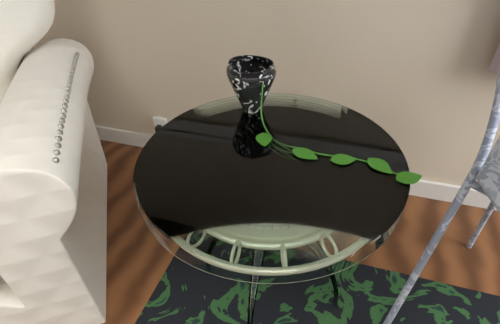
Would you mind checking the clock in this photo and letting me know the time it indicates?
3:26
